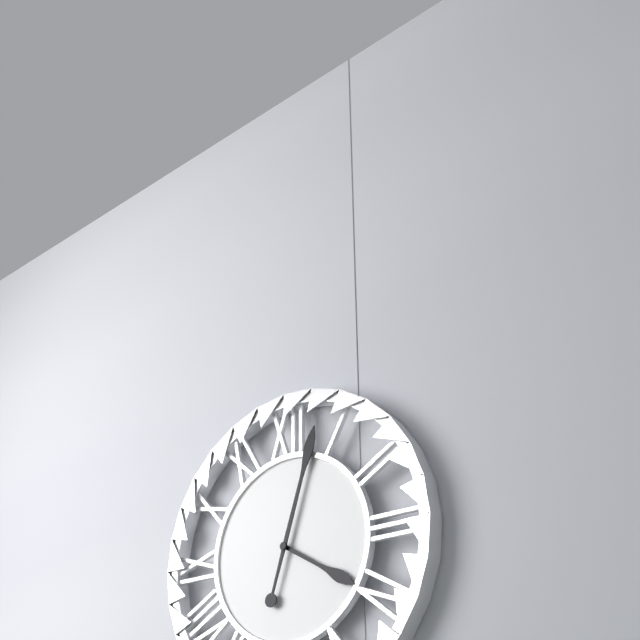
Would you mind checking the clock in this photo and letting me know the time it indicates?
4:03
